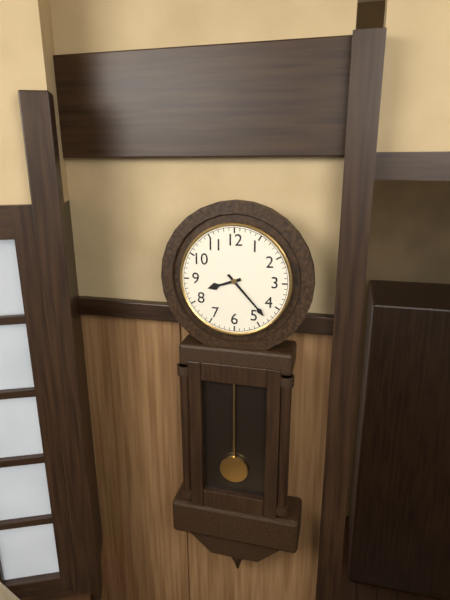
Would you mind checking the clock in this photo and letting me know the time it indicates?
8:23
